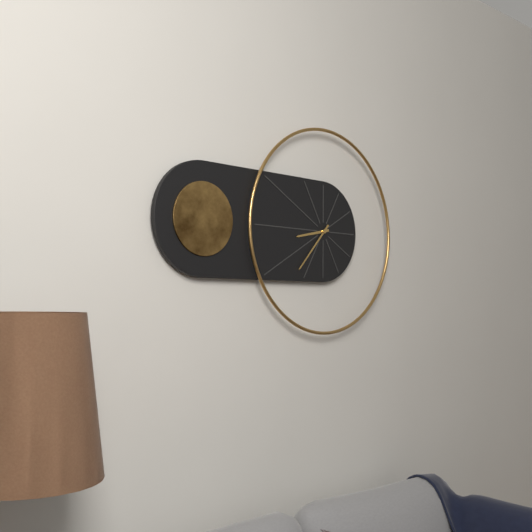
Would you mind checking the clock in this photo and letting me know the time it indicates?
8:37
